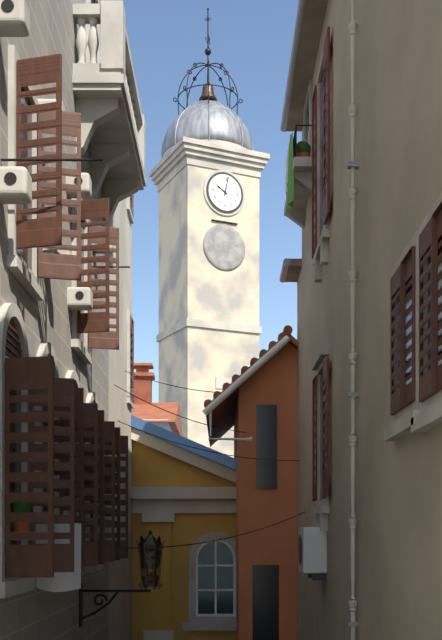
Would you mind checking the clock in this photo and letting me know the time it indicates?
10:02
